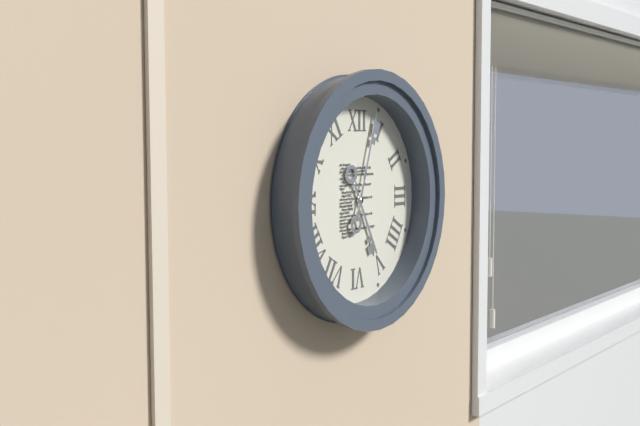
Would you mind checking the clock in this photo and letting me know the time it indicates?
5:03
